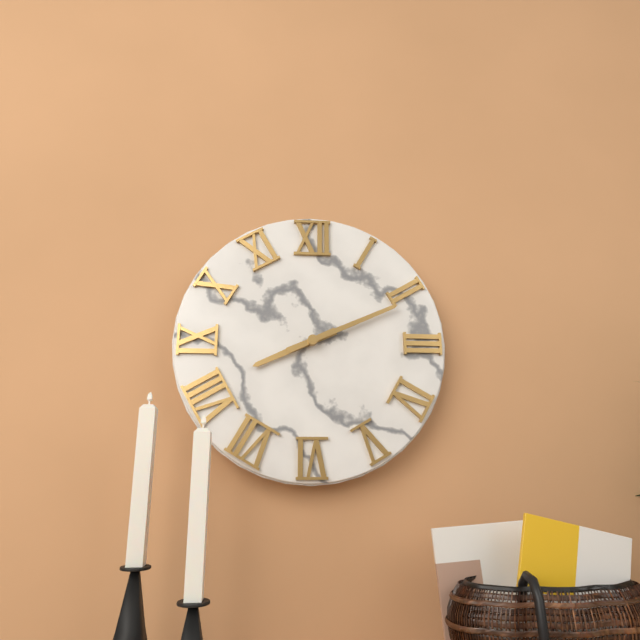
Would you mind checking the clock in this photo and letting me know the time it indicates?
8:11
